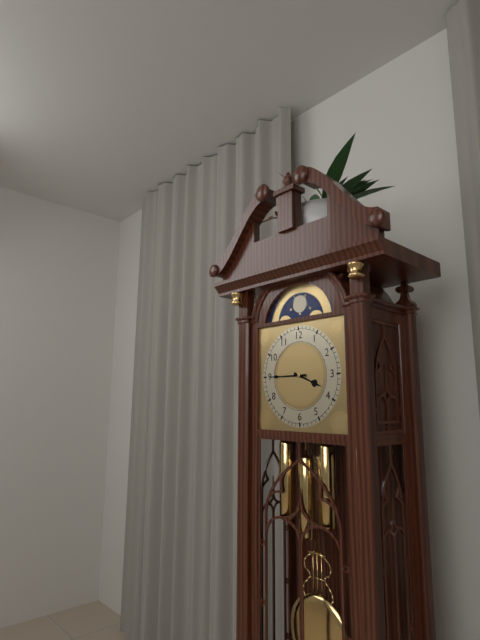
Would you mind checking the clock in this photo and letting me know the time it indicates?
3:45
